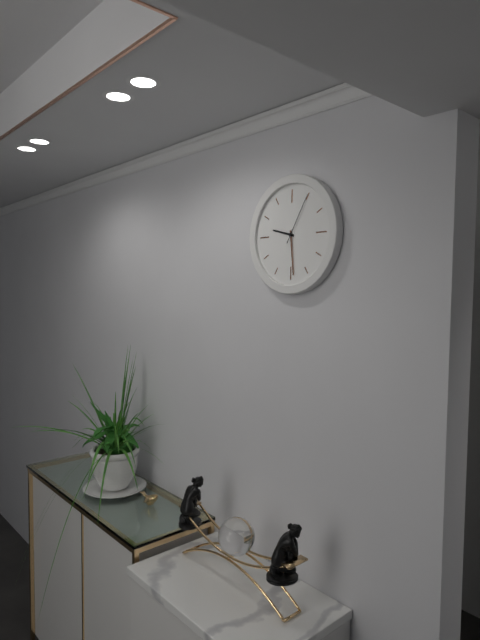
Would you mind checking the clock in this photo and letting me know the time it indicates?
9:29:05
